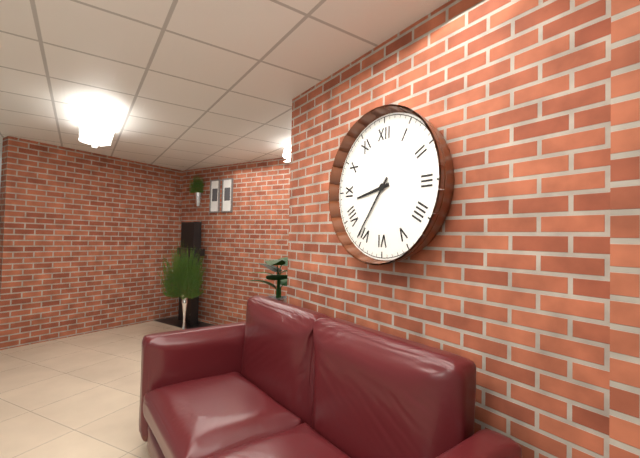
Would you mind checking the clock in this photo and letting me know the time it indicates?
8:36
